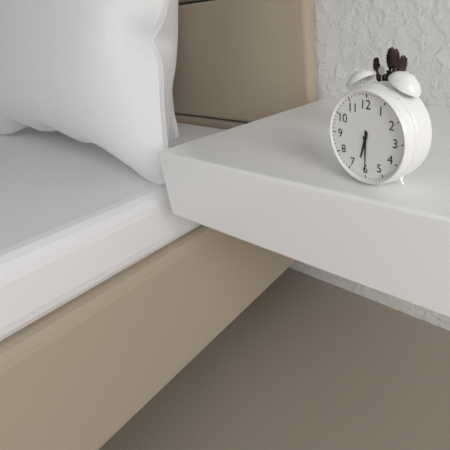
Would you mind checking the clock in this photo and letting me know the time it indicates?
6:30
